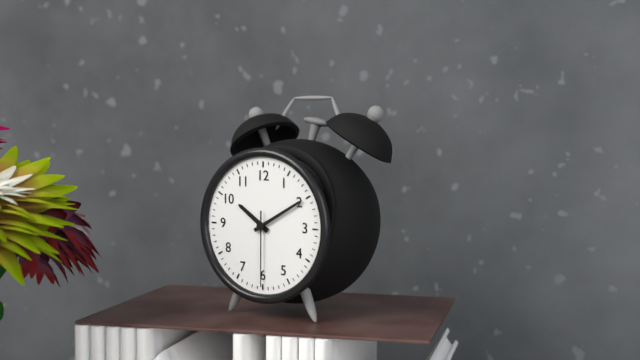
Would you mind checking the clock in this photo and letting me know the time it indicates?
10:10:30
